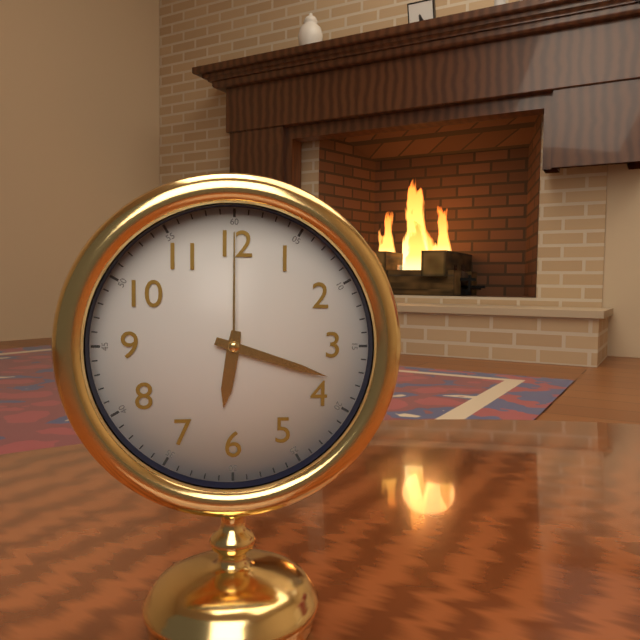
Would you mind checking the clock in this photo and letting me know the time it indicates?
6:18:00
